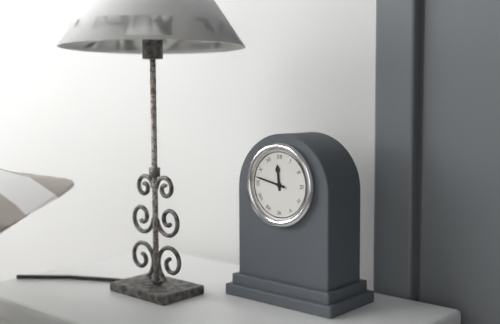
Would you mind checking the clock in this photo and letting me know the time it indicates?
11:47
